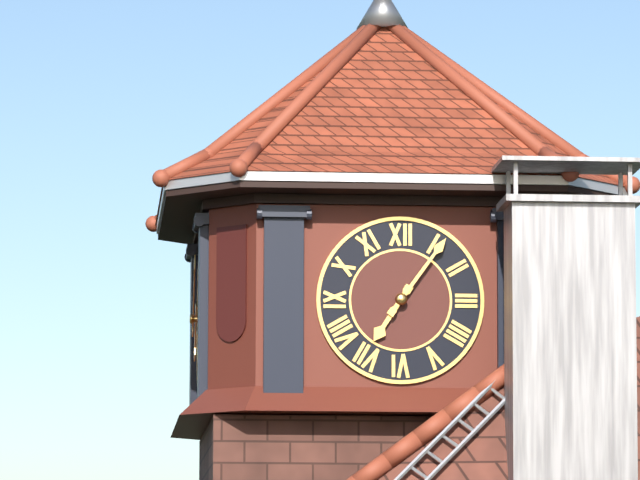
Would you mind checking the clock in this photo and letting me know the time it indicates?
7:06
